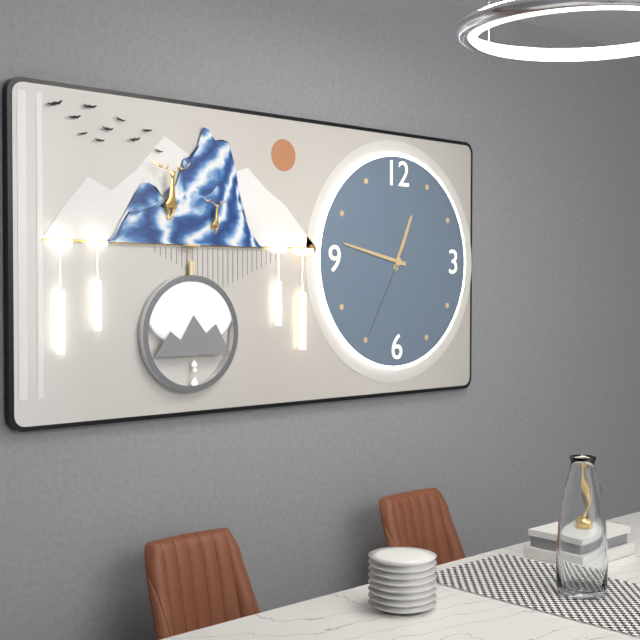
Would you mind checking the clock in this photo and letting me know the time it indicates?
12:47:35
